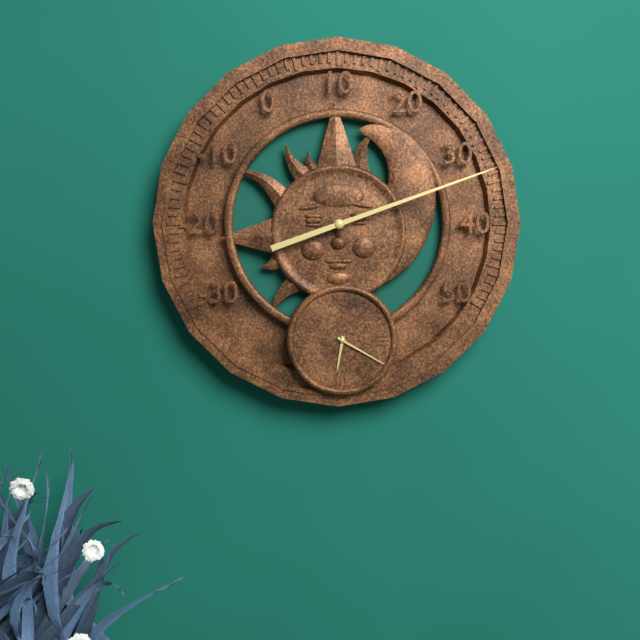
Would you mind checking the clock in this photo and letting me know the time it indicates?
6:20
